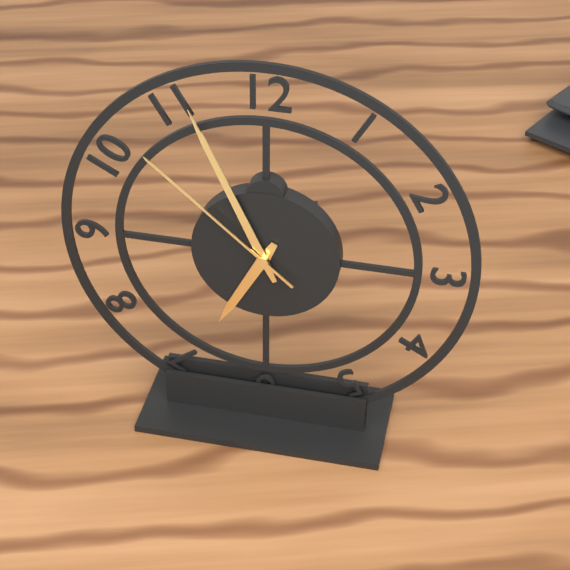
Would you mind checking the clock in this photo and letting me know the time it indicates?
6:56:52
